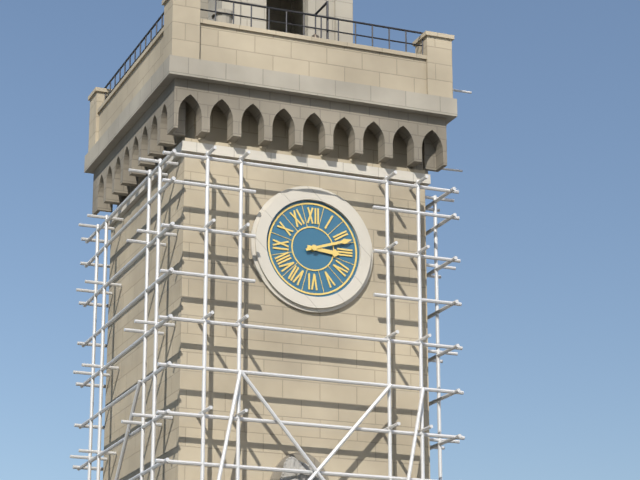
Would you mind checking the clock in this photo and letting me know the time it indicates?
3:12
